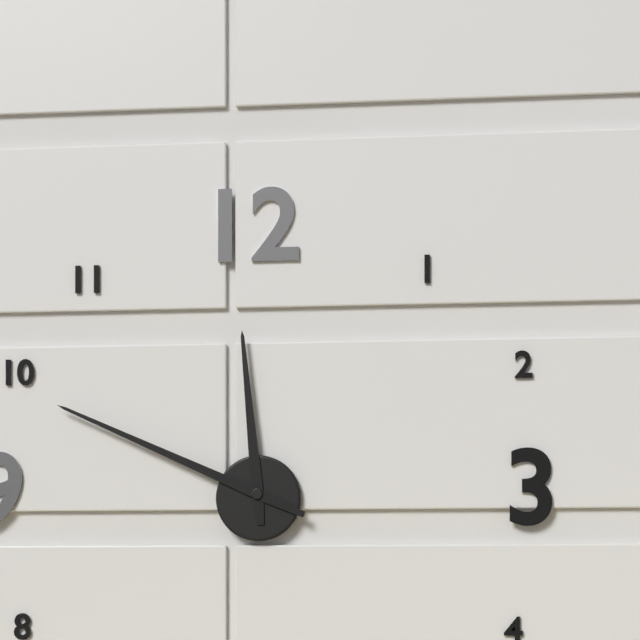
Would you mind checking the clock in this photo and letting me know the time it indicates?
11:49
